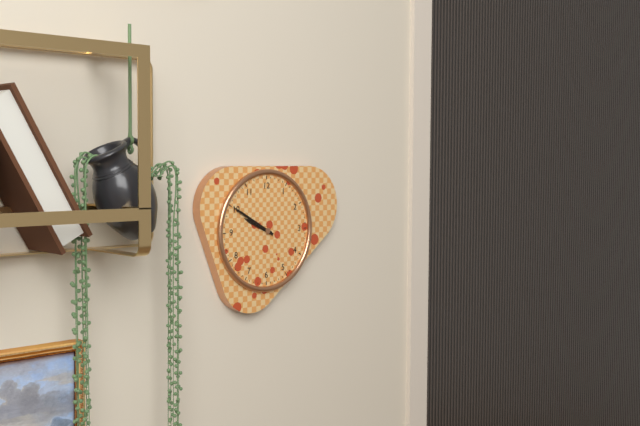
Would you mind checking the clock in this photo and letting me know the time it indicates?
9:50
